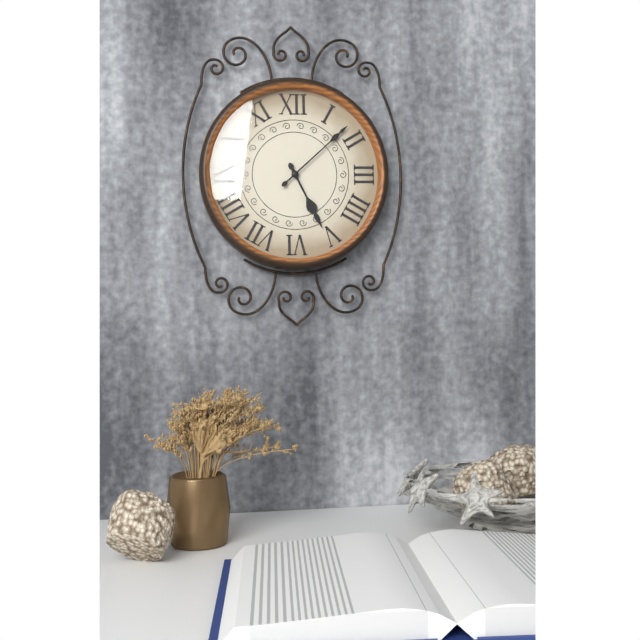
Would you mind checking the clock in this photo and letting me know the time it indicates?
5:08
